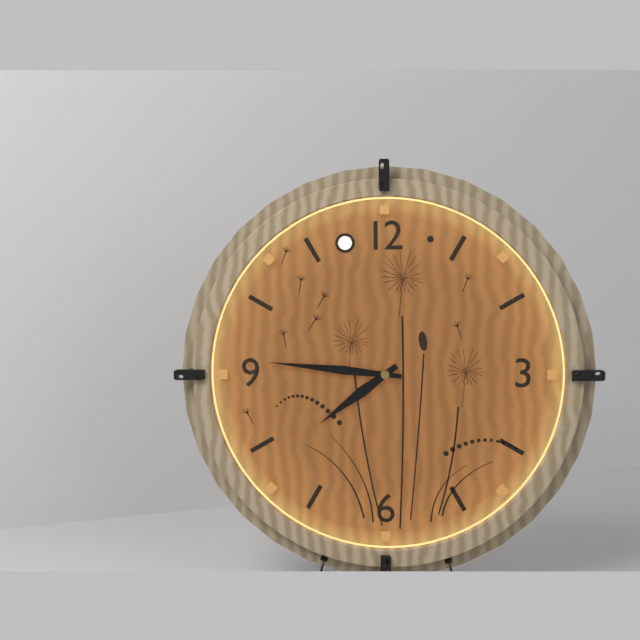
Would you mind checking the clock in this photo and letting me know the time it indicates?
7:46
